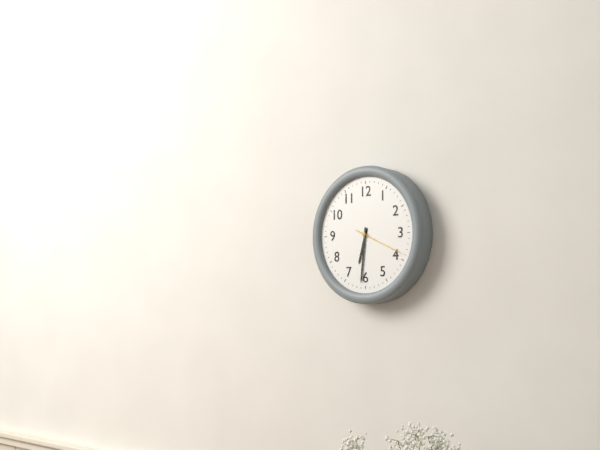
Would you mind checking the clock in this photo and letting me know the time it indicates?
6:31:19
